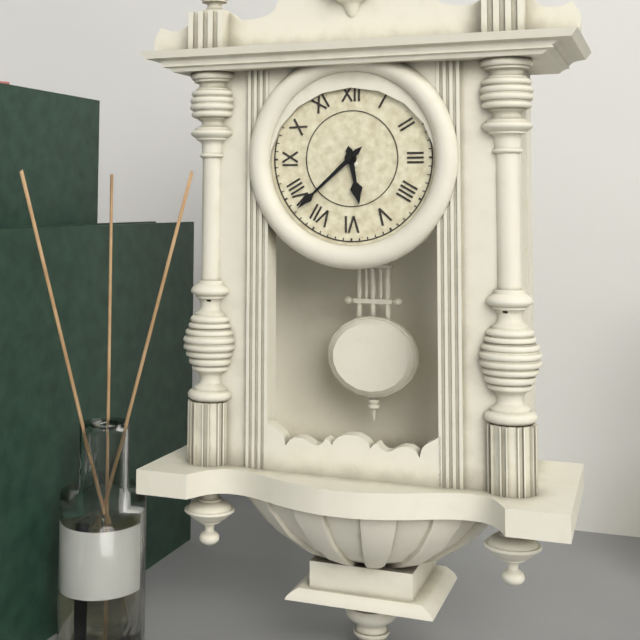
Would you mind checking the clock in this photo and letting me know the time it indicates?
5:38
